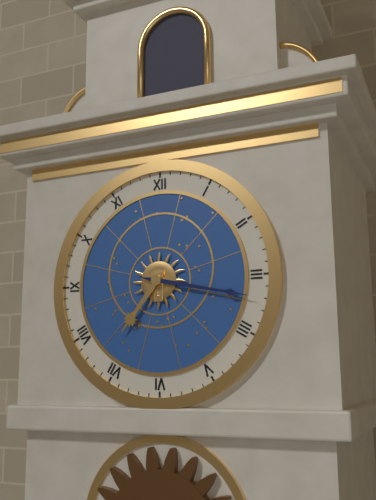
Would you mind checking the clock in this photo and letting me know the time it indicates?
7:17
